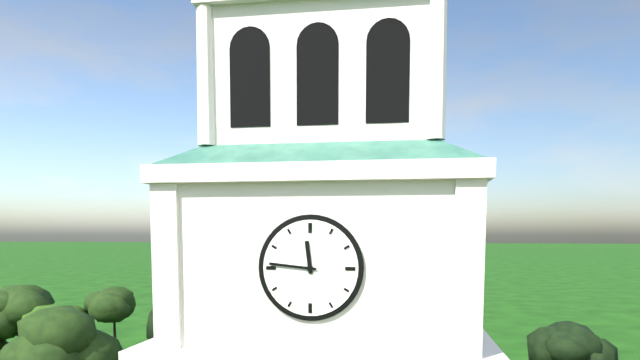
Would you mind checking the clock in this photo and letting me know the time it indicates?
11:46
